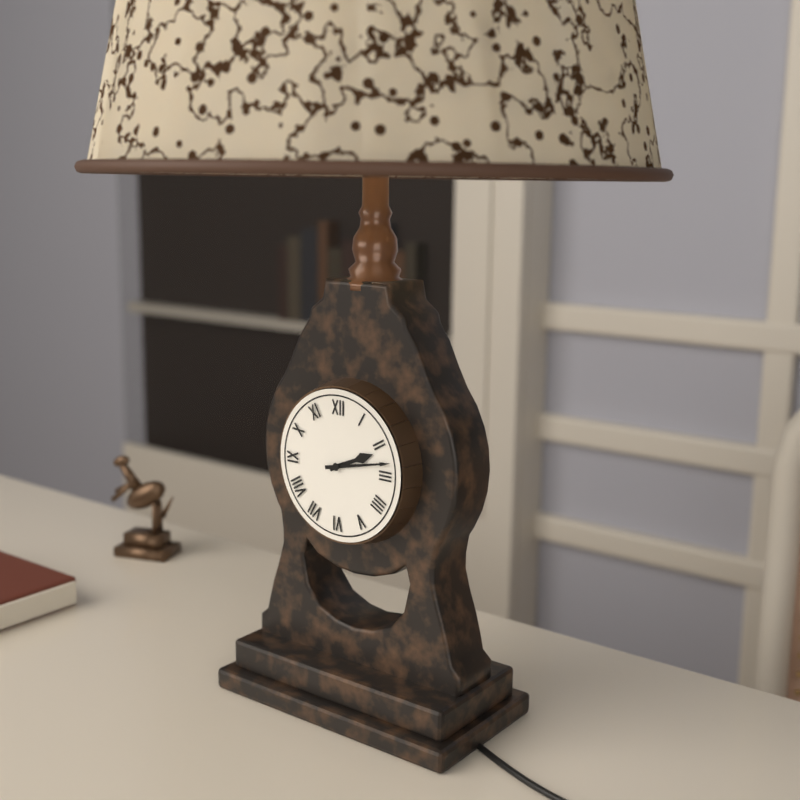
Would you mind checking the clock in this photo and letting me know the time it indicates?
2:13
